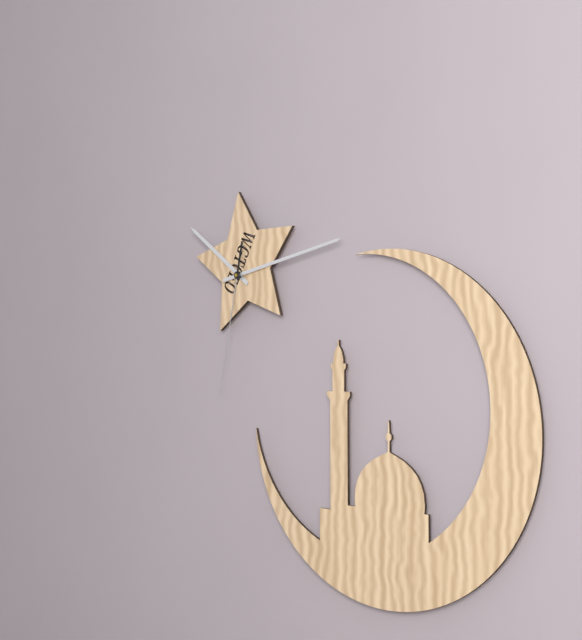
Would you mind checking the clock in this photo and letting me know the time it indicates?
10:13:32
